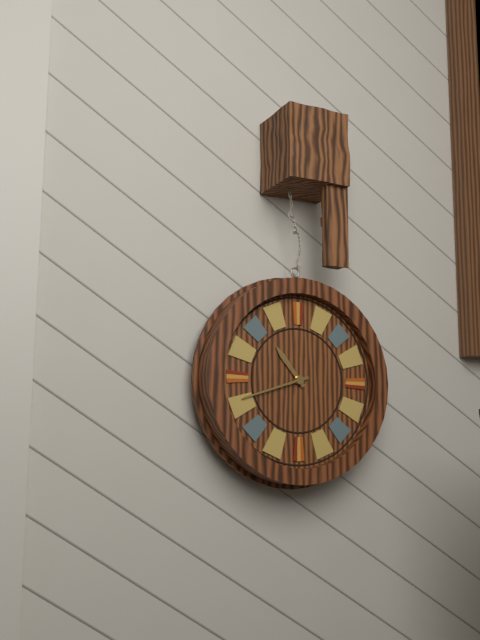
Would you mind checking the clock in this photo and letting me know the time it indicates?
10:42
